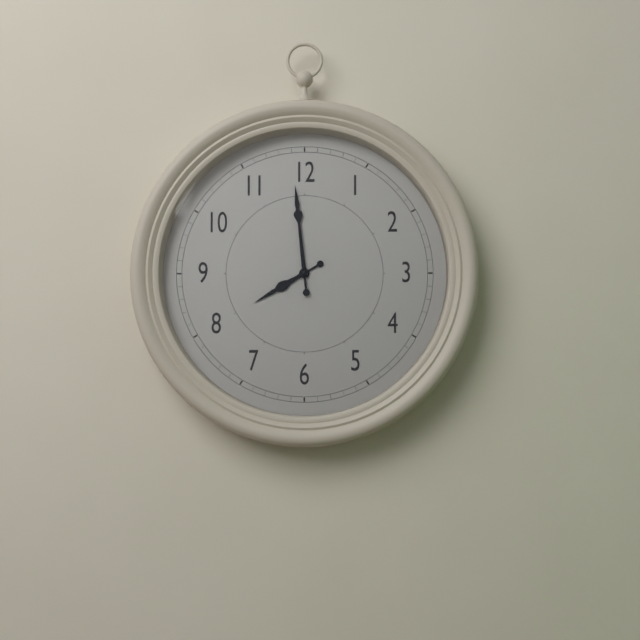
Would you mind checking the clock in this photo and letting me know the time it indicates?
7:59
